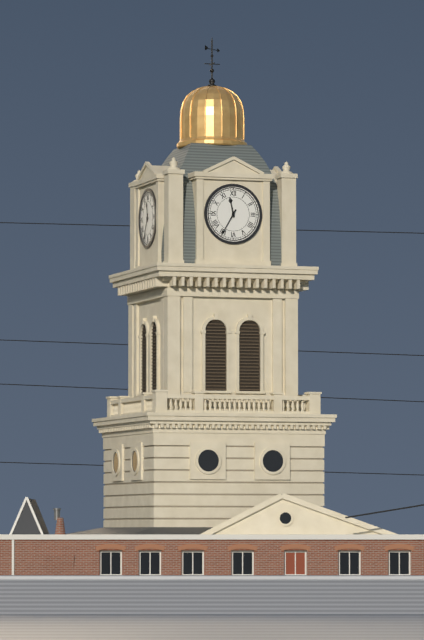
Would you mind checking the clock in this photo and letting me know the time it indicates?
11:35
